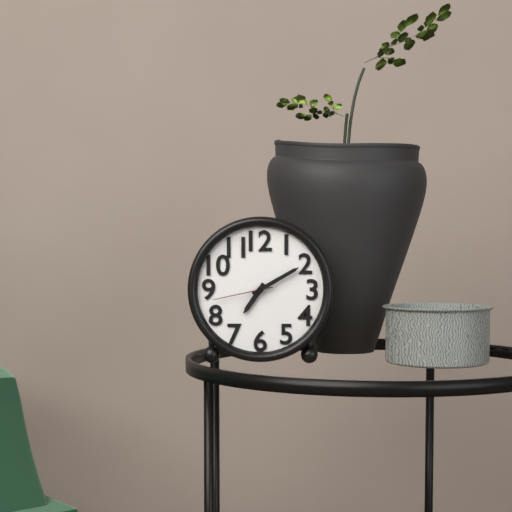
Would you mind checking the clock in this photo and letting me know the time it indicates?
7:10:43
